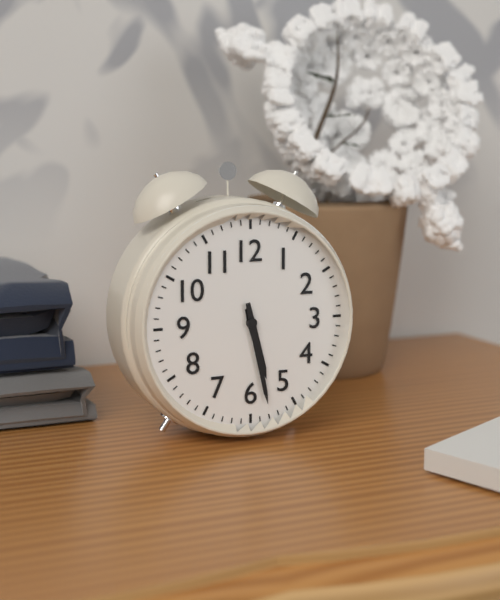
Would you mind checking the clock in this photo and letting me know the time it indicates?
5:28
